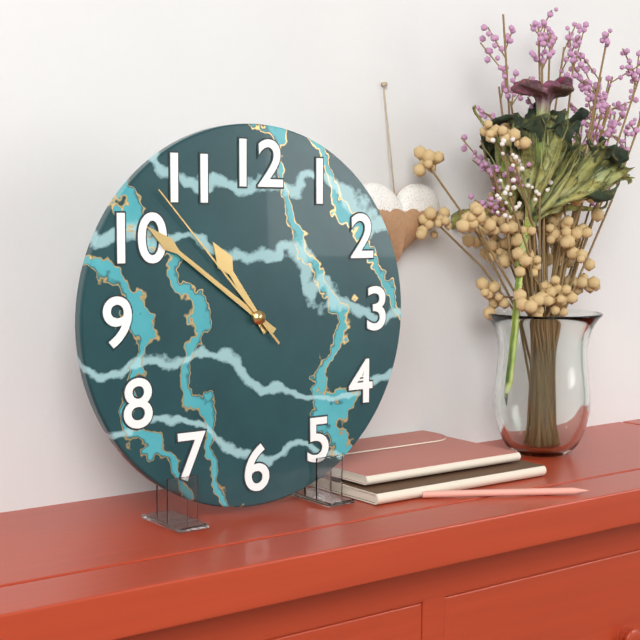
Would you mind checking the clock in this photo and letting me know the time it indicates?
10:51:53
